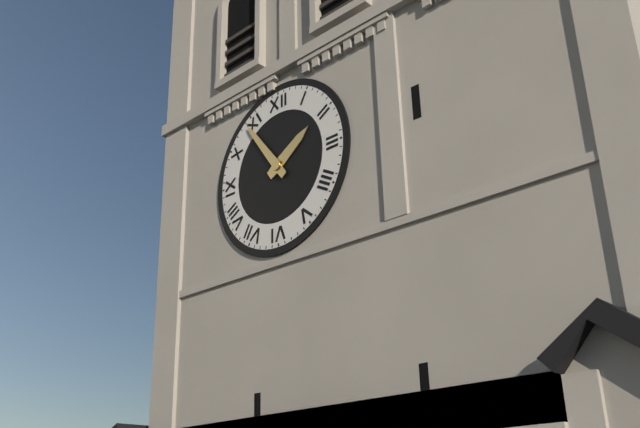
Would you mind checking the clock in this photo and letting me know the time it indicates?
1:54
